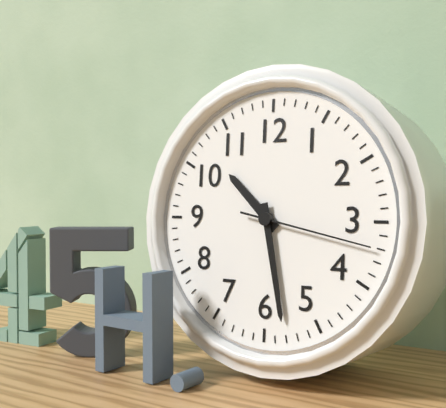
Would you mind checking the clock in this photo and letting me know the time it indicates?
10:28:17
